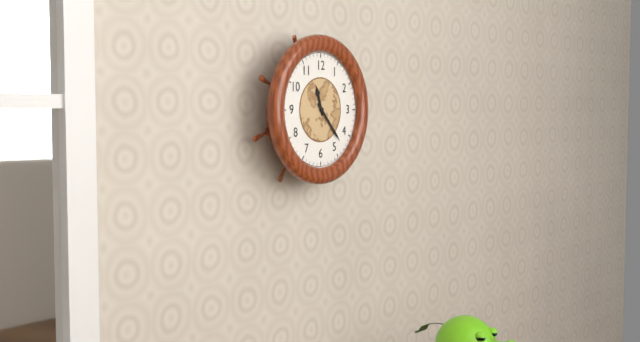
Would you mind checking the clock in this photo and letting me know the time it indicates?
11:23
